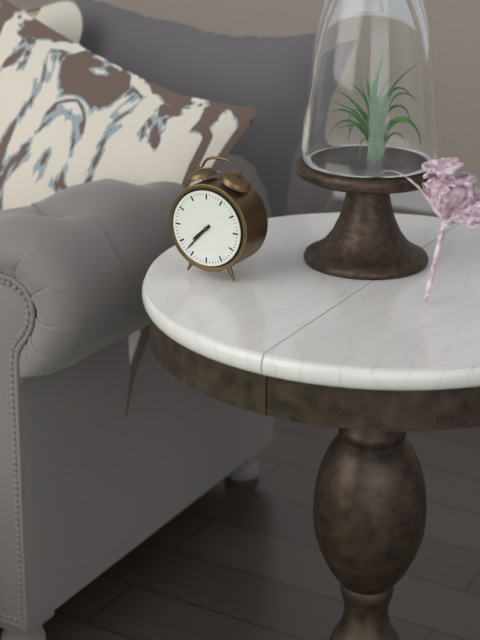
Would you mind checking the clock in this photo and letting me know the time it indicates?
7:37
